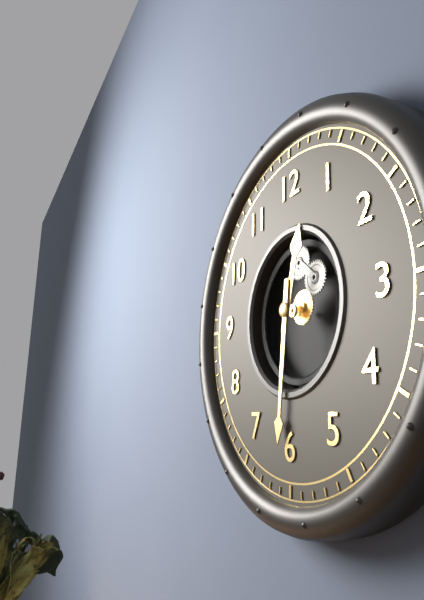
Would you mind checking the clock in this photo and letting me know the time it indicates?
12:31
